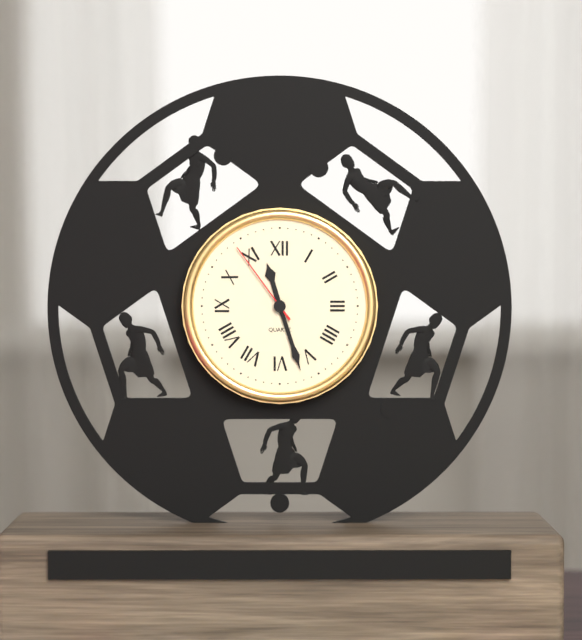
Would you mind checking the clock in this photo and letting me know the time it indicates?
11:27:54
